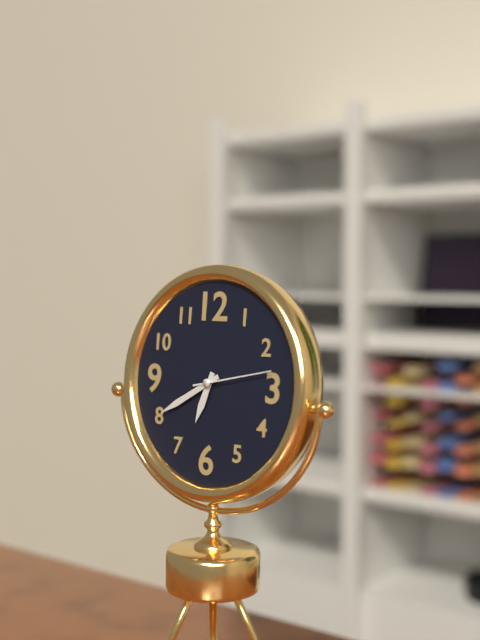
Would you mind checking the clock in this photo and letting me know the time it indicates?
6:40:13
